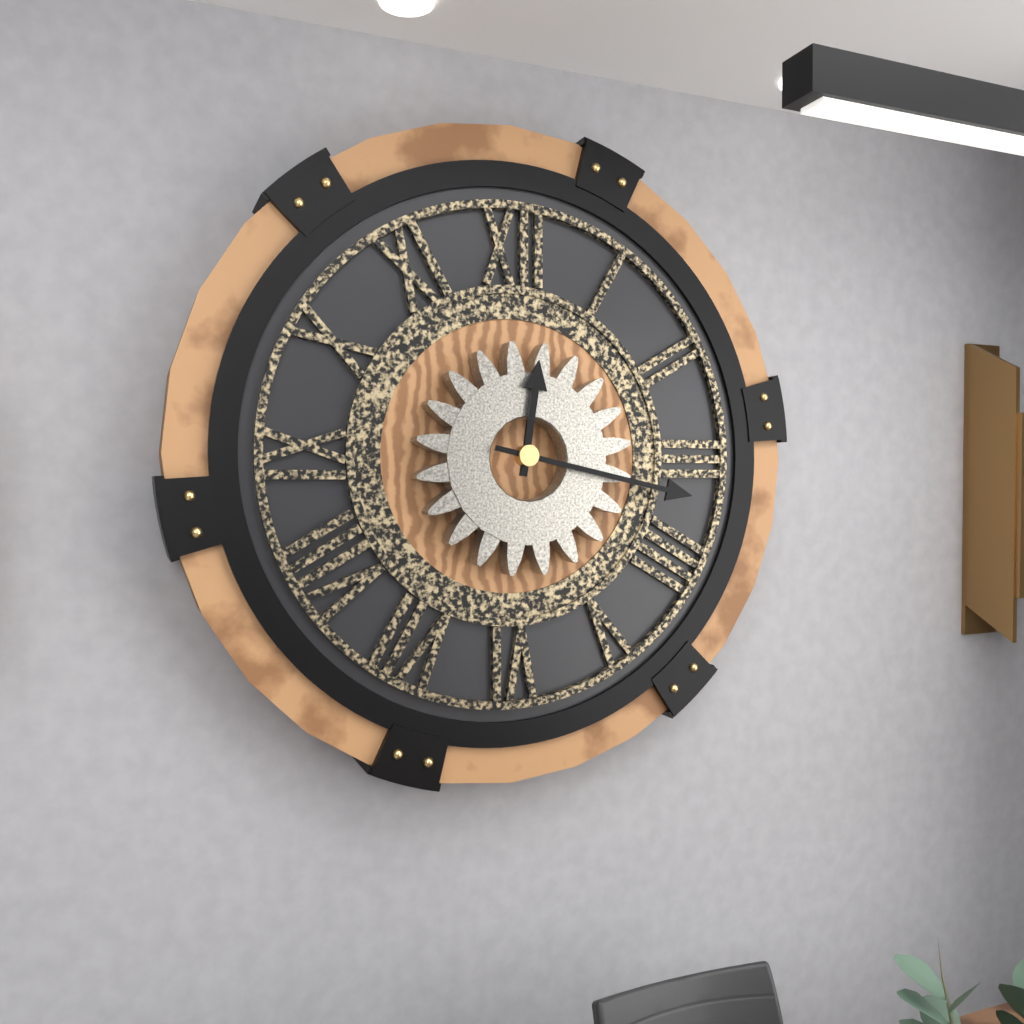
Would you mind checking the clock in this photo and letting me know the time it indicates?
12:17
